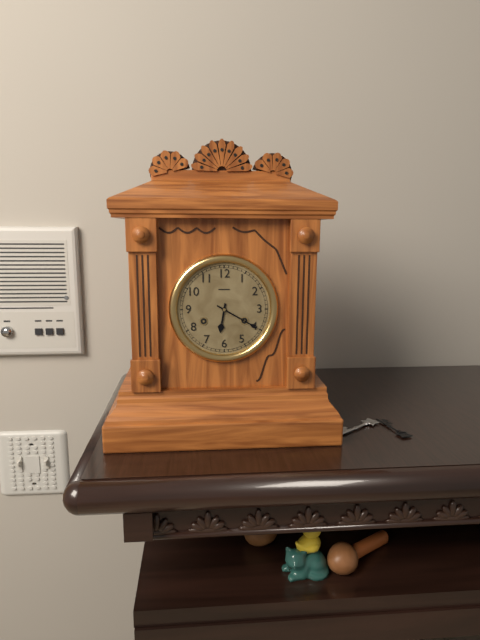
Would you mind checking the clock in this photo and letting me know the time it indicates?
6:20
